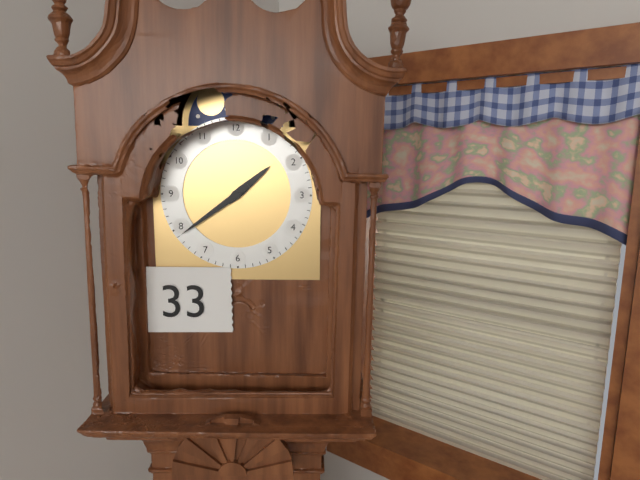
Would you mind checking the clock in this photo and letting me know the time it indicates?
1:39
